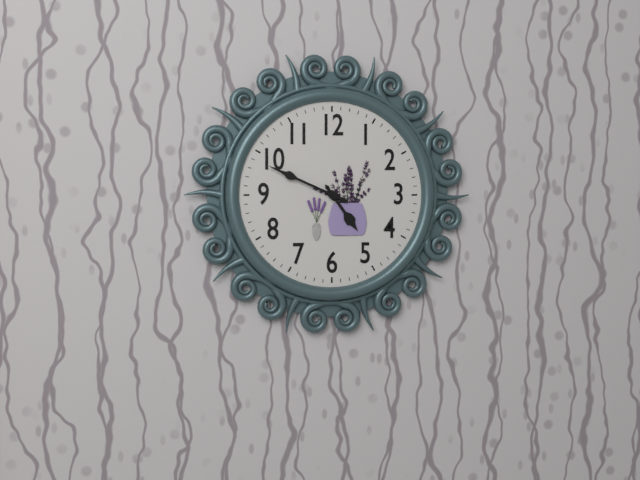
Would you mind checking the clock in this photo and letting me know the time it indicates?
4:49
